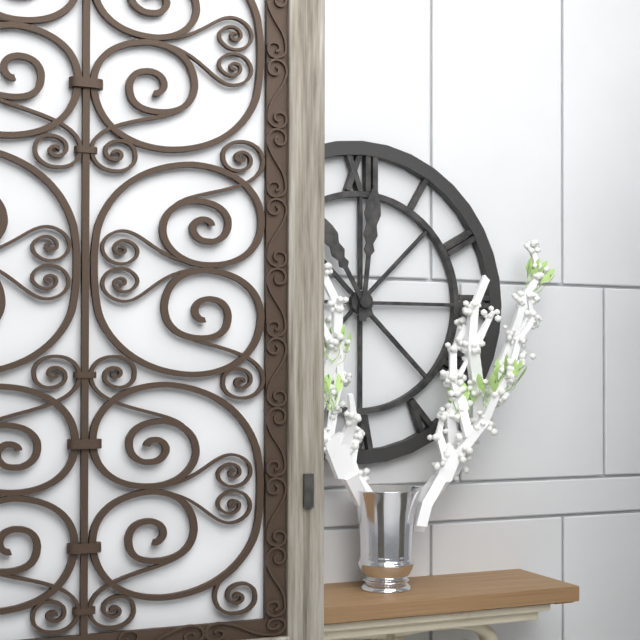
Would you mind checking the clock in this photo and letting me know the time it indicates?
11:01
